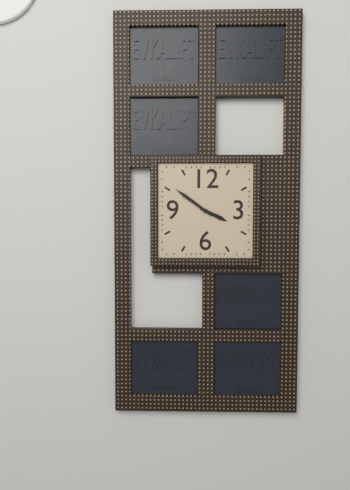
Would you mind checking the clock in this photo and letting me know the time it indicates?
3:51
